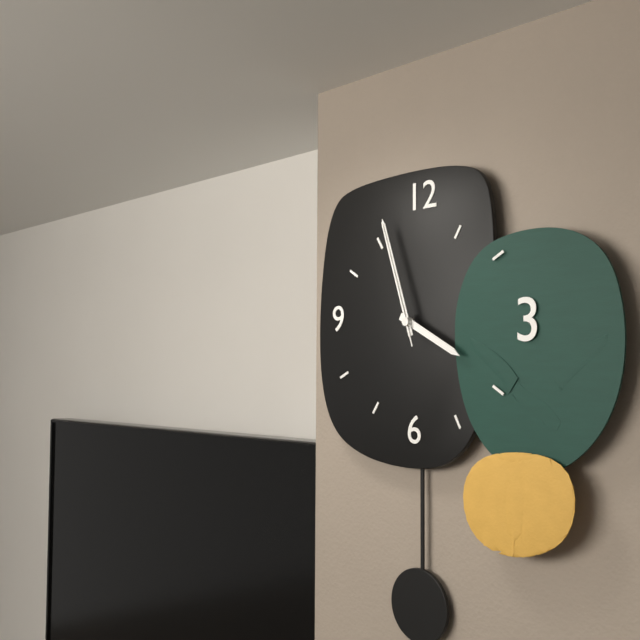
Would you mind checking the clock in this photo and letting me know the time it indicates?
3:57:57
